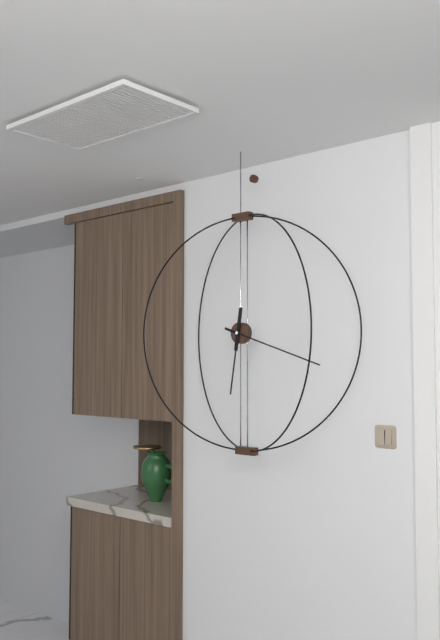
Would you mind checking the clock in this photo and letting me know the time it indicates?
6:18
